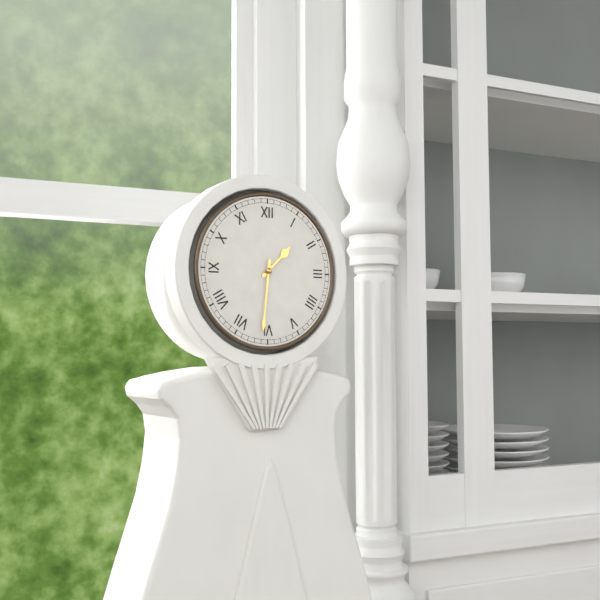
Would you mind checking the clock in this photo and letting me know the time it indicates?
1:31
